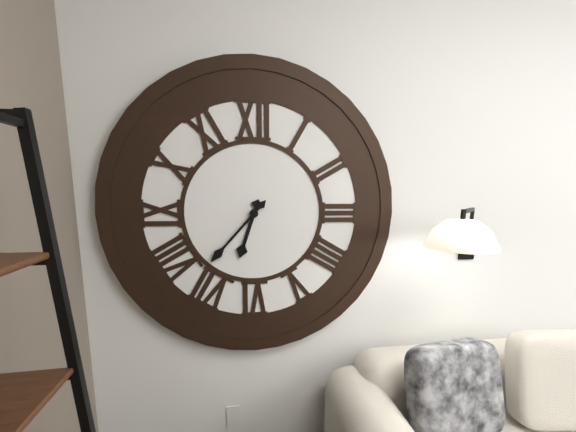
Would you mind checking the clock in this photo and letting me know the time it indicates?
6:37
